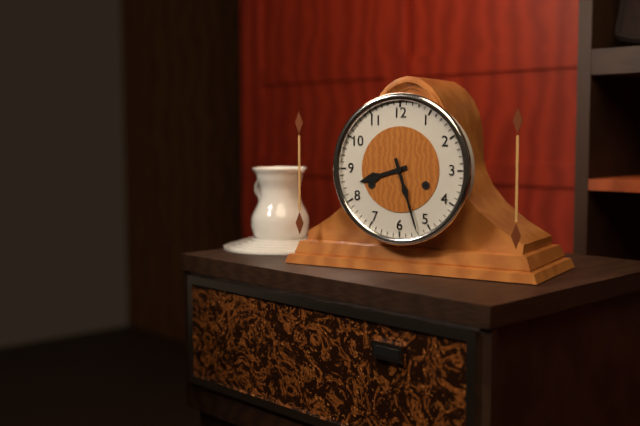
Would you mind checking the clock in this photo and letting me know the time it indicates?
8:27
